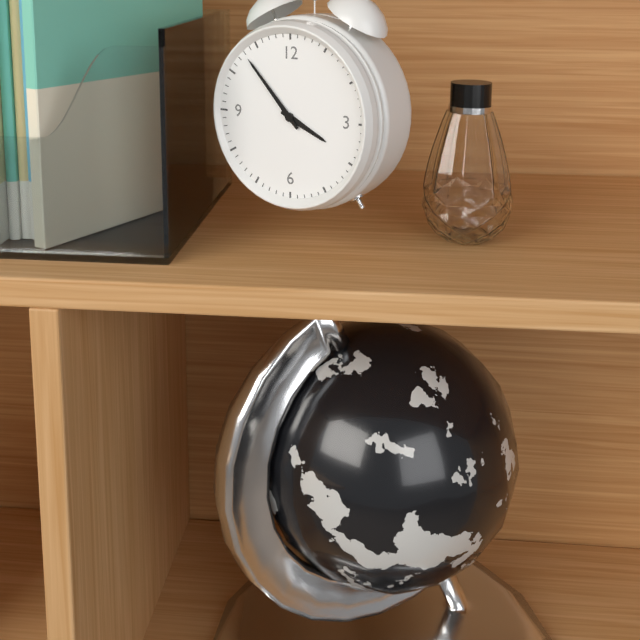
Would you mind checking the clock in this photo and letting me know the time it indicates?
3:53
